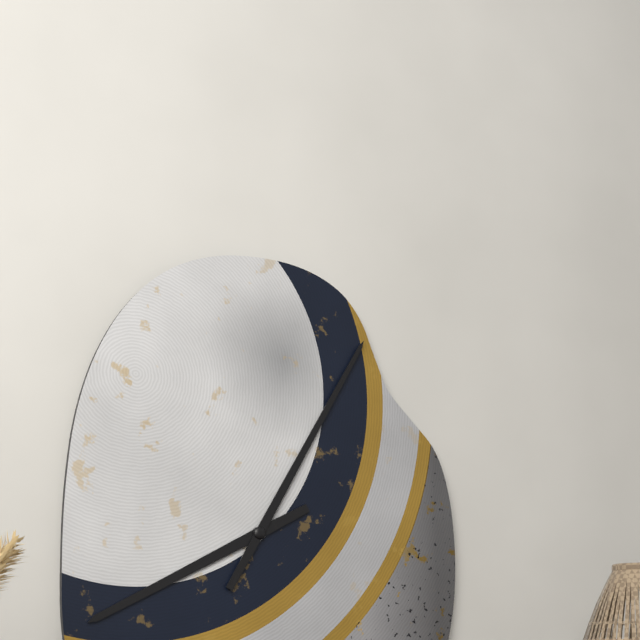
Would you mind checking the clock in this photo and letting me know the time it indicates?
8:05
